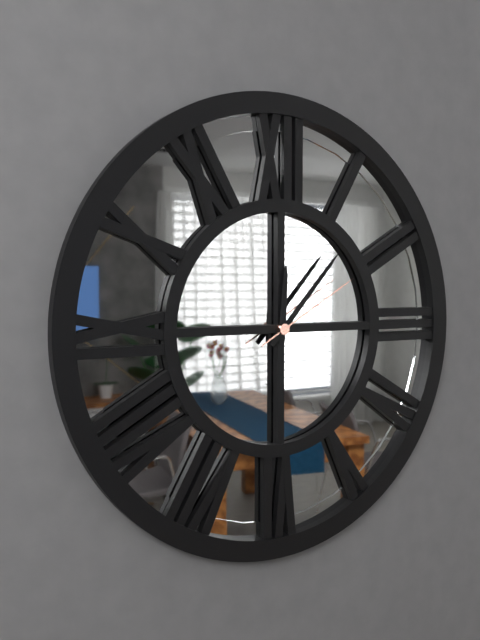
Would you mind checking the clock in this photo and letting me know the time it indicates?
12:07:10
